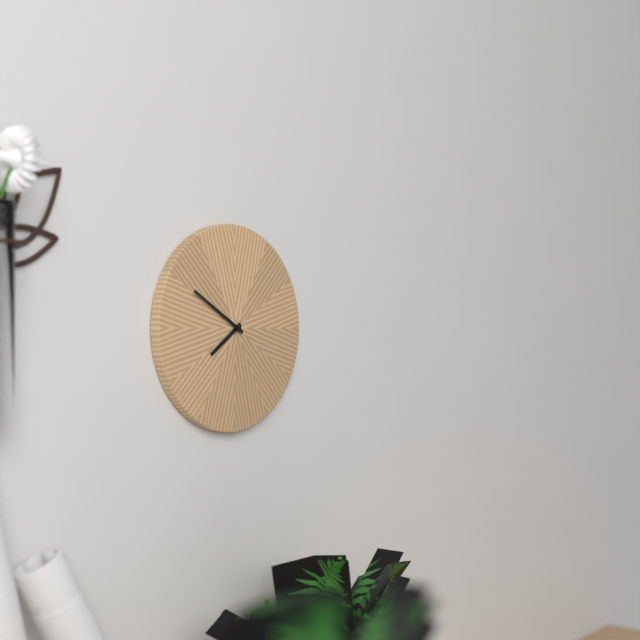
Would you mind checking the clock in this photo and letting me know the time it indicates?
7:50
